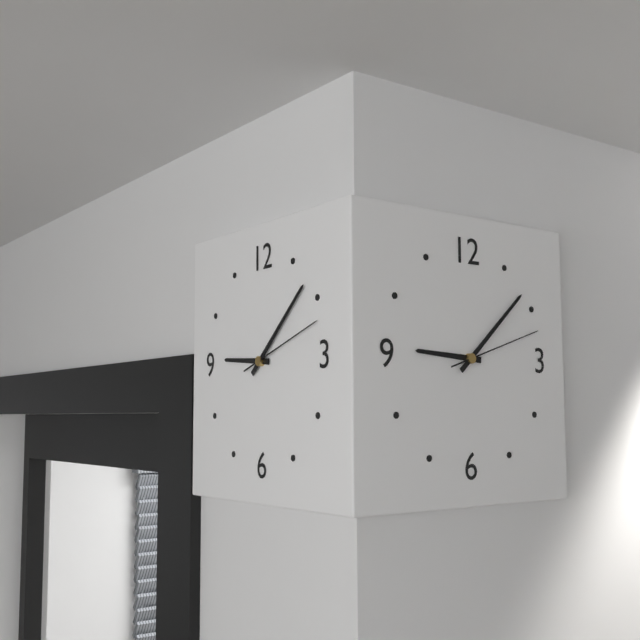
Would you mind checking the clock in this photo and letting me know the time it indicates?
9:08:12
